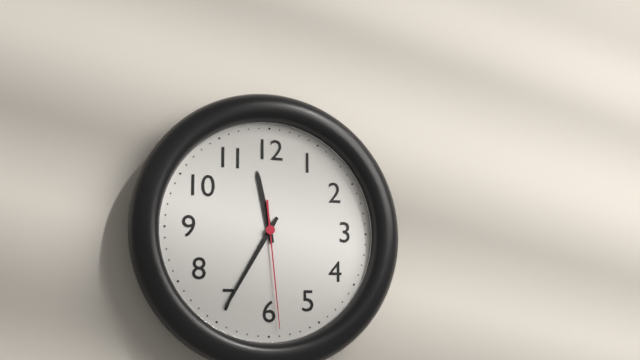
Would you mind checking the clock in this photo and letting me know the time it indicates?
11:35:29
